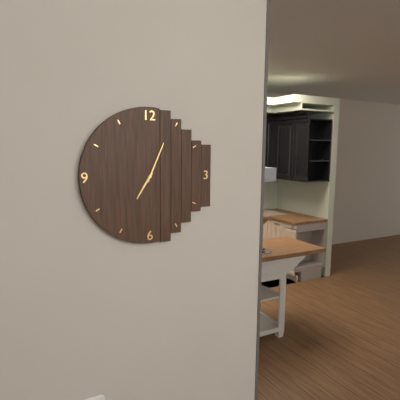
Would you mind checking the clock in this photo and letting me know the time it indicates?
7:04
